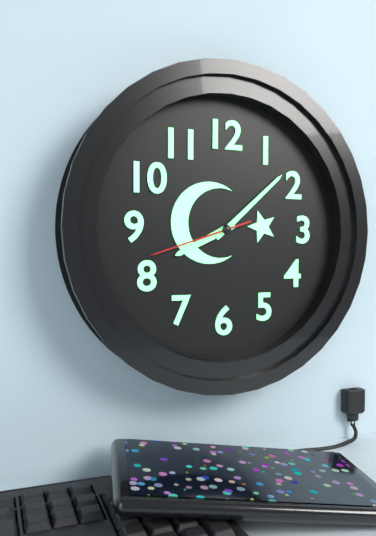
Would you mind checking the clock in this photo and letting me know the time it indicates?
8:08:42
